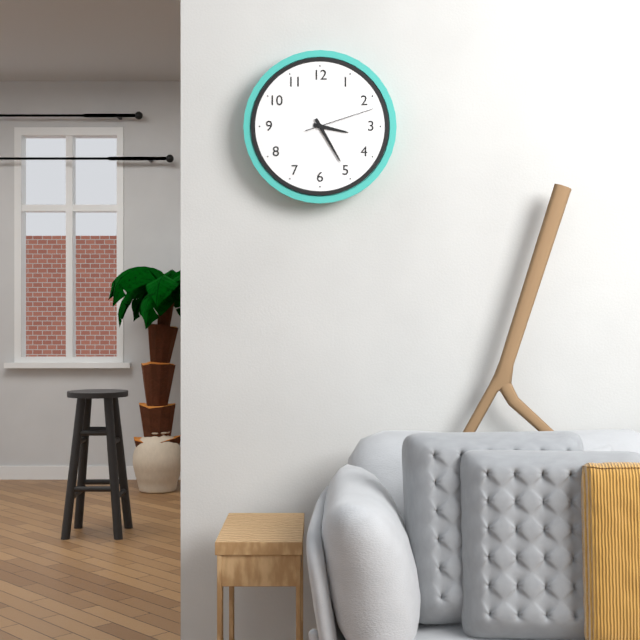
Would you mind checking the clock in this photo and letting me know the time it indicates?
3:25:12
